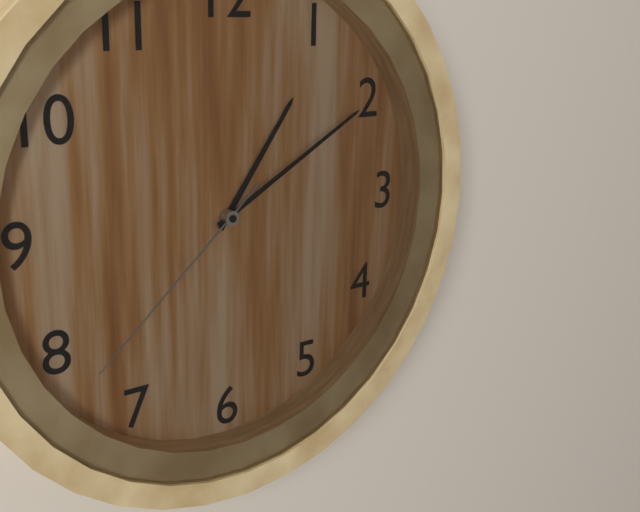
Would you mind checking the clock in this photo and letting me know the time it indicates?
1:10:38
